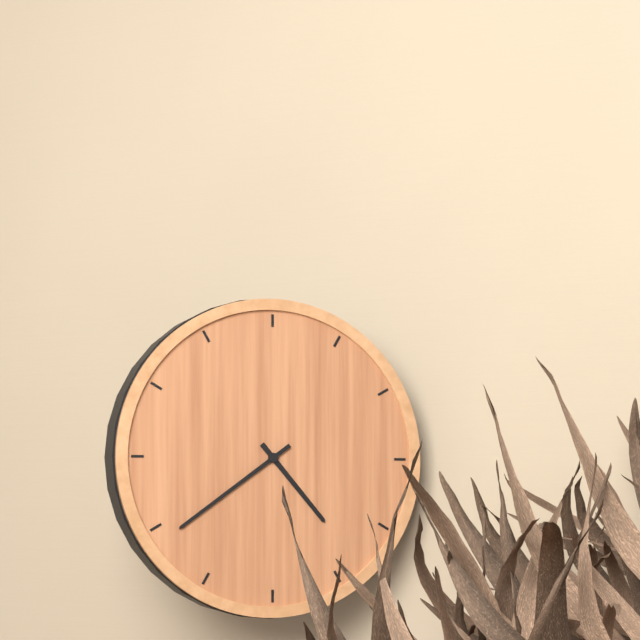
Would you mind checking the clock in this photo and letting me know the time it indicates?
4:39
